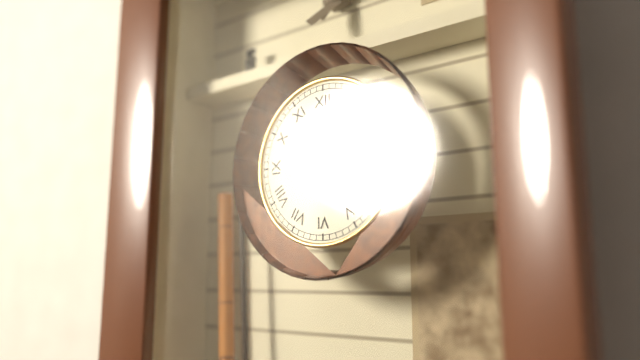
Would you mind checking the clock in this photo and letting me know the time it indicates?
1:22
